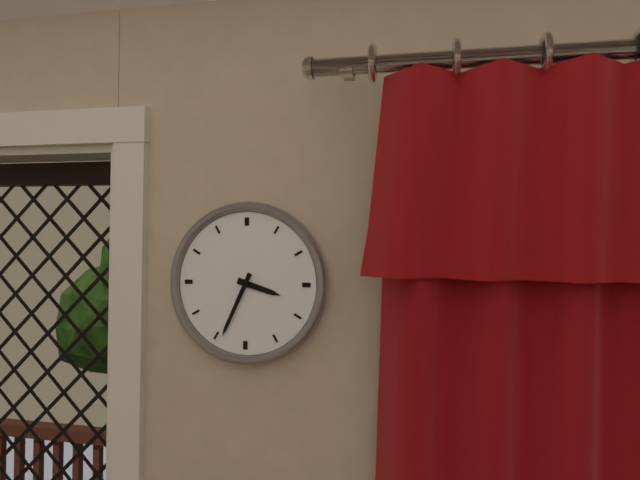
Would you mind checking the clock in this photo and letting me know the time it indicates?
3:34
